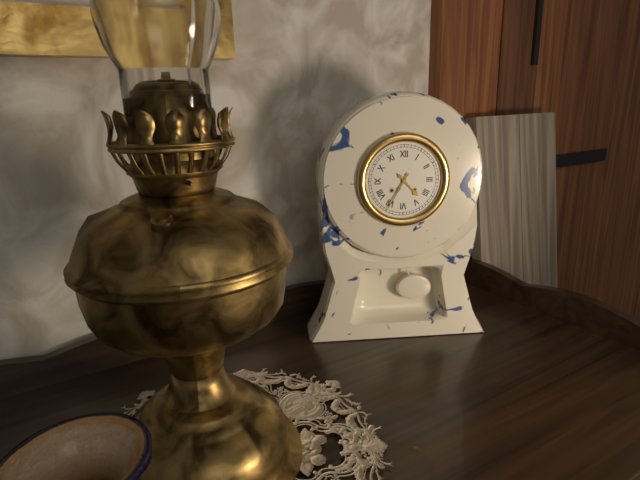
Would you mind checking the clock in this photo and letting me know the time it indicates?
4:35
